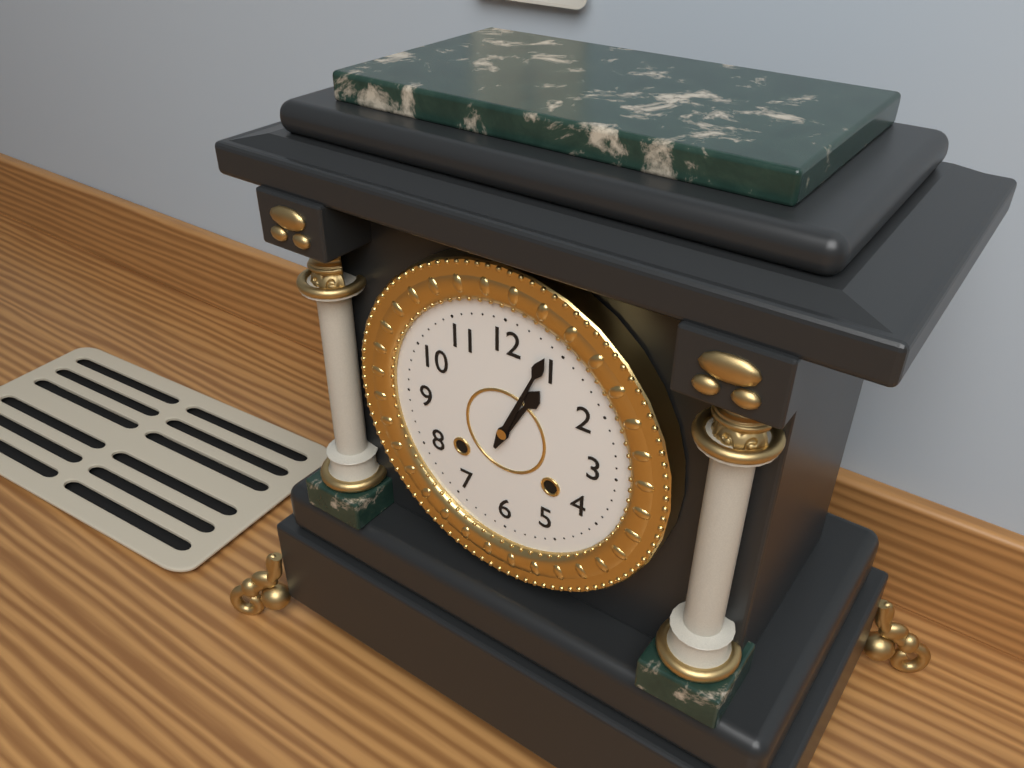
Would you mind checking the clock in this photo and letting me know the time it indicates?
1:04
